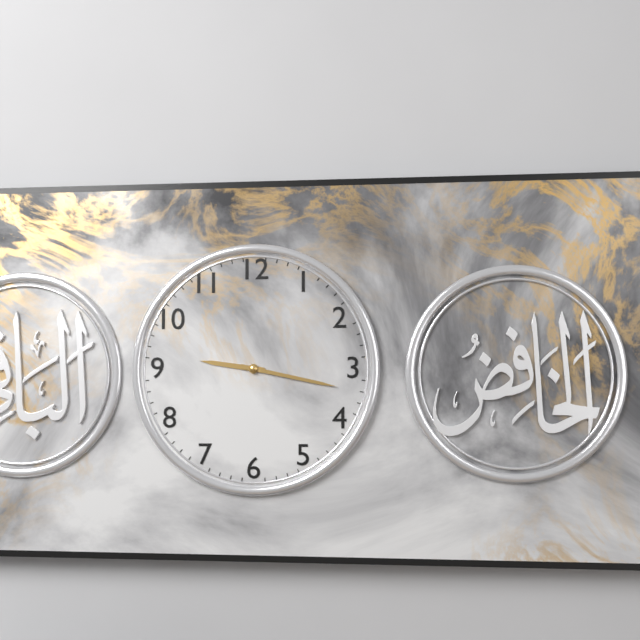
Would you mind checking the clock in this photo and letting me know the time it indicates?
9:17
